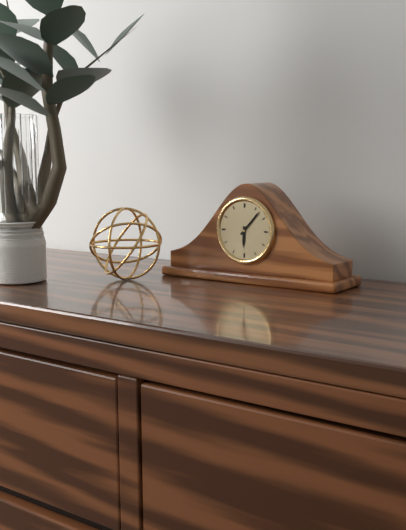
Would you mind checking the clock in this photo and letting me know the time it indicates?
6:07
